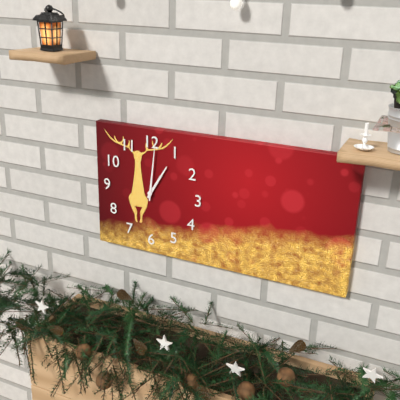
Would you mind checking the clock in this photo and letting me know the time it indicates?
1:01
